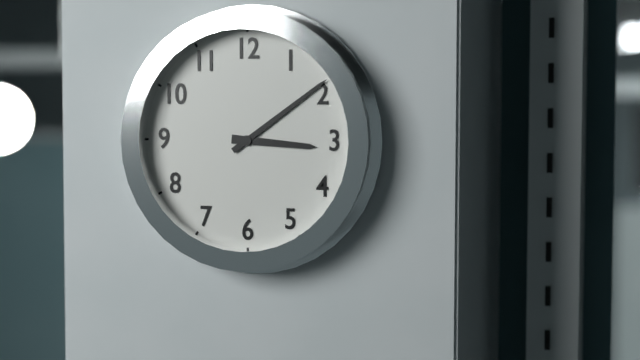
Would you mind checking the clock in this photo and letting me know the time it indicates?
3:09
